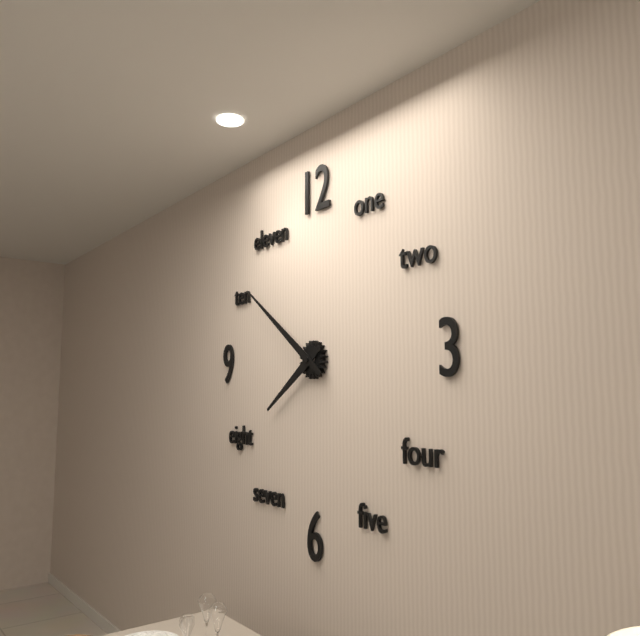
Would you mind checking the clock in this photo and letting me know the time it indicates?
7:51
